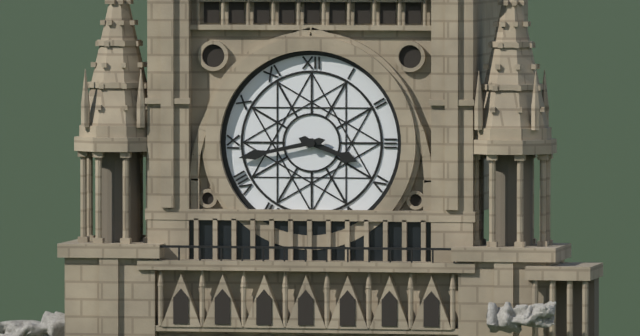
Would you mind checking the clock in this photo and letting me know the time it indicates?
3:43
